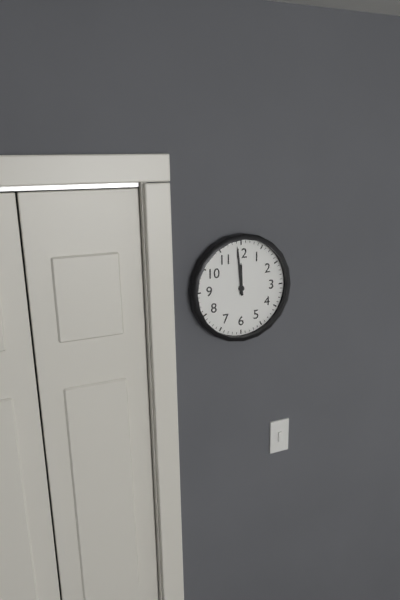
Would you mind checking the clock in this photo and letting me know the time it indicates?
11:59
